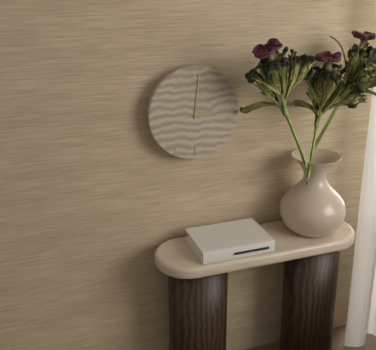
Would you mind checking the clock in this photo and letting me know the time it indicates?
3:01
